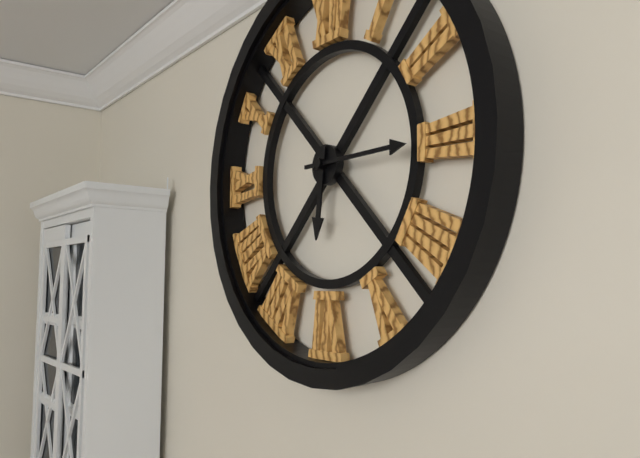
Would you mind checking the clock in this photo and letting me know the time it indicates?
6:15
